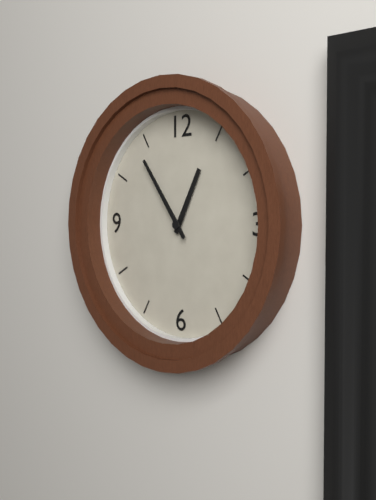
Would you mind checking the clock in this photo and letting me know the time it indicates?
12:54
